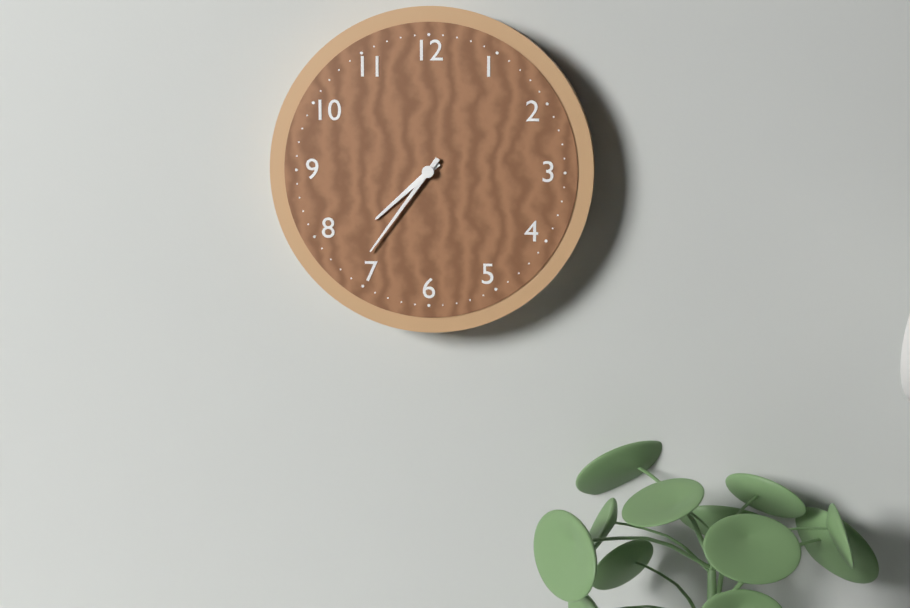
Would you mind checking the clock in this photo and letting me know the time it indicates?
7:36
